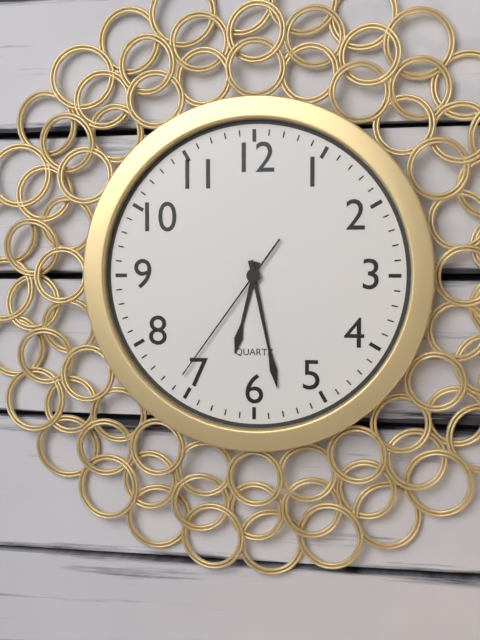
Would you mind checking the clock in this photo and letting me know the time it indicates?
6:28:36
